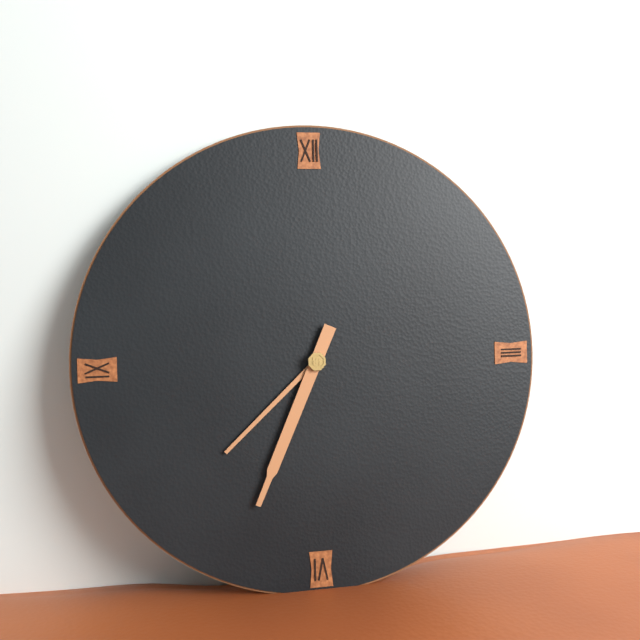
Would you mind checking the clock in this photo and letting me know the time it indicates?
7:34
